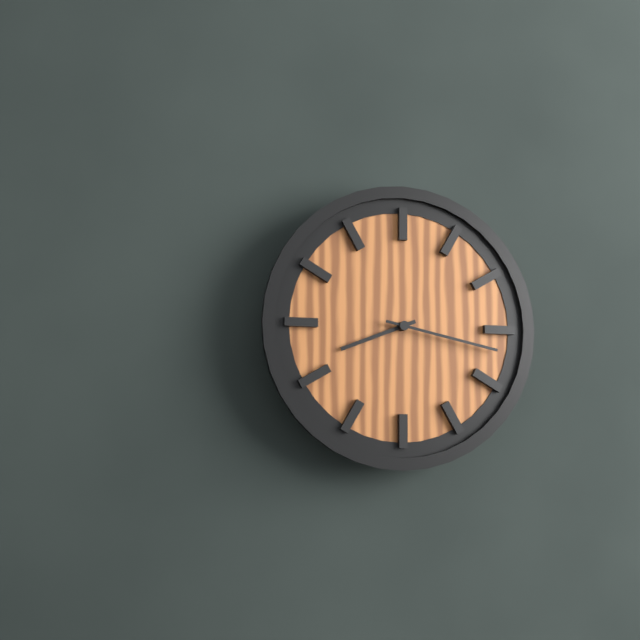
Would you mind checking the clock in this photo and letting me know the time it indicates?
8:17
